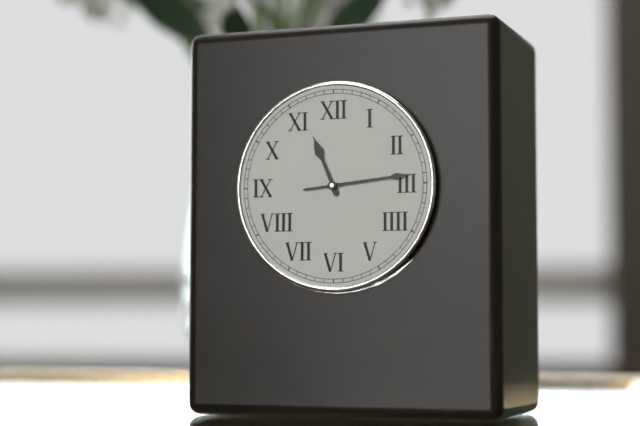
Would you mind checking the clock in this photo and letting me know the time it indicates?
11:14
